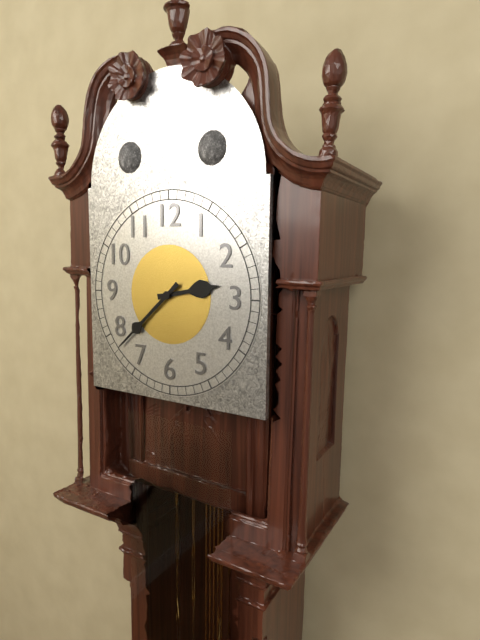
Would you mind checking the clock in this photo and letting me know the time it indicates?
2:38
